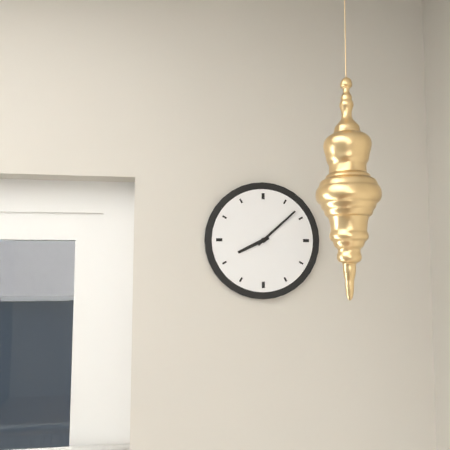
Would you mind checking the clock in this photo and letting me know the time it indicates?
8:08
